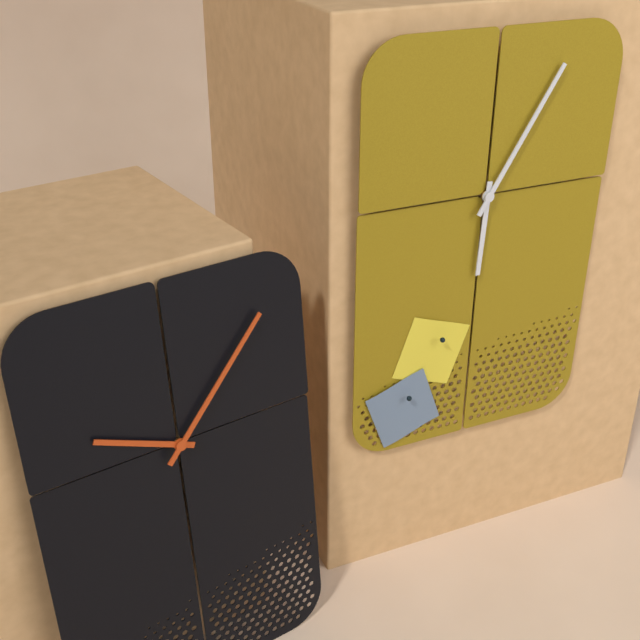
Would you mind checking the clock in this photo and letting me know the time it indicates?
6:05
